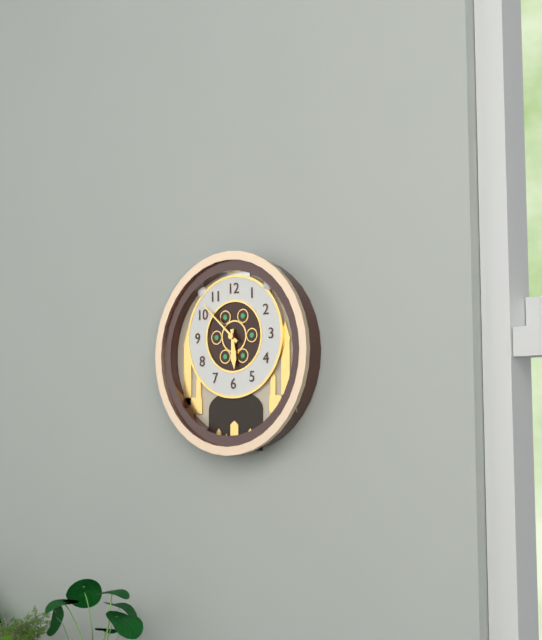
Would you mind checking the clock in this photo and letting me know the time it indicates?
5:52
